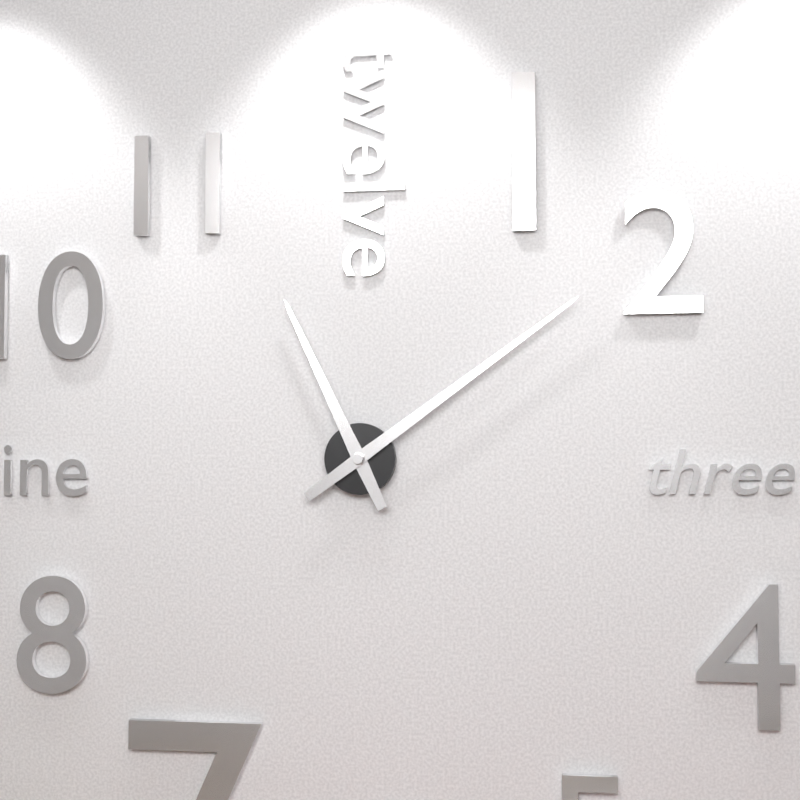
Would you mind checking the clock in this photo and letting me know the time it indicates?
11:09
